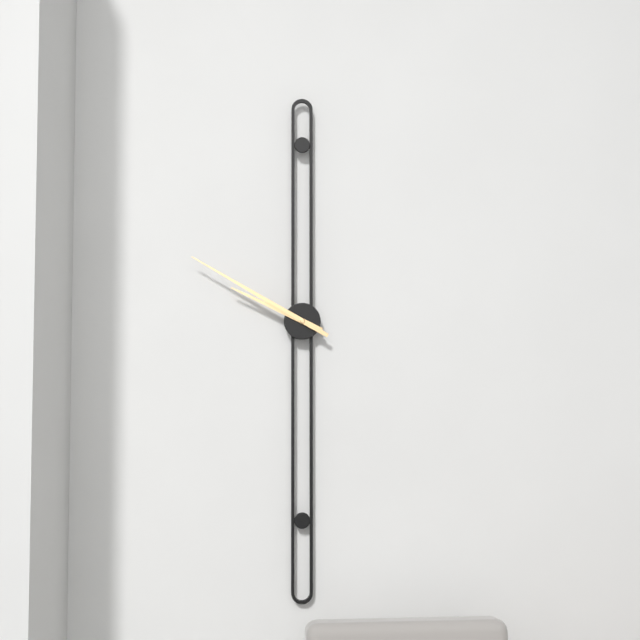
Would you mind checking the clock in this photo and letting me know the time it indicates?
9:50
